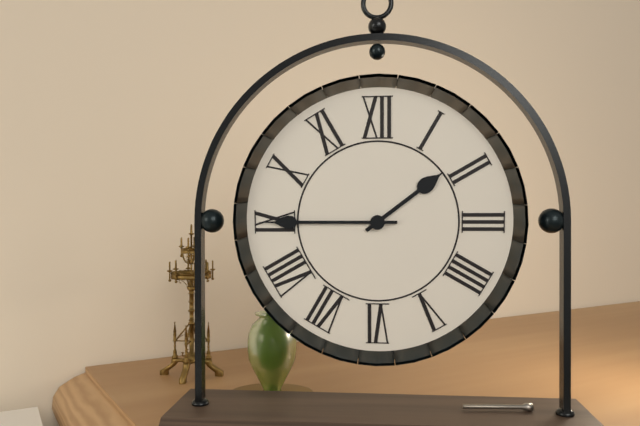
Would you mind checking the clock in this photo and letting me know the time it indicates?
1:45
